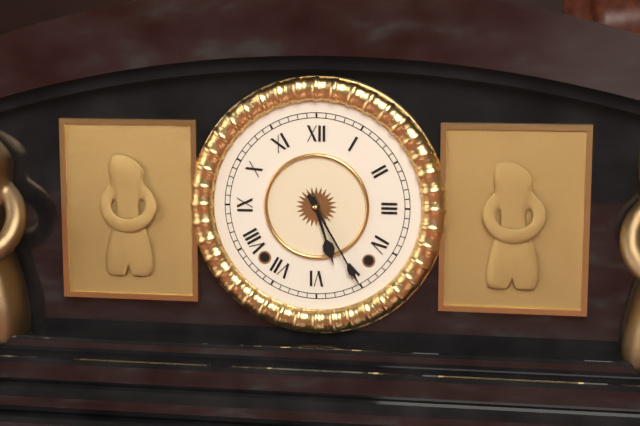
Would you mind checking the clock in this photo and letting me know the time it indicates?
5:25
